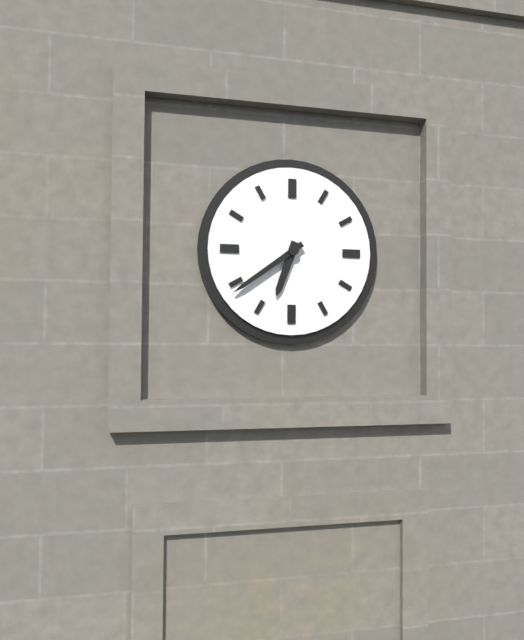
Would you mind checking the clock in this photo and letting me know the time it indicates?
6:39
